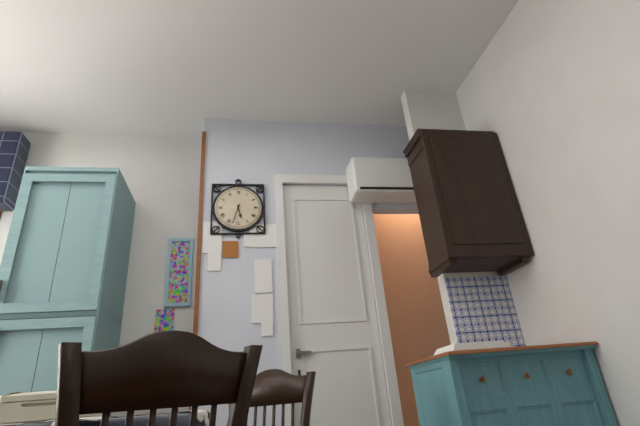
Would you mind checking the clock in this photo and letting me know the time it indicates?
5:33
